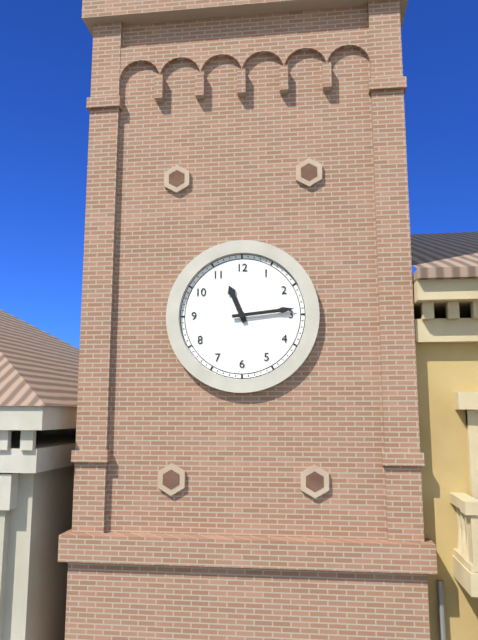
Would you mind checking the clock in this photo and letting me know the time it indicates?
11:14
